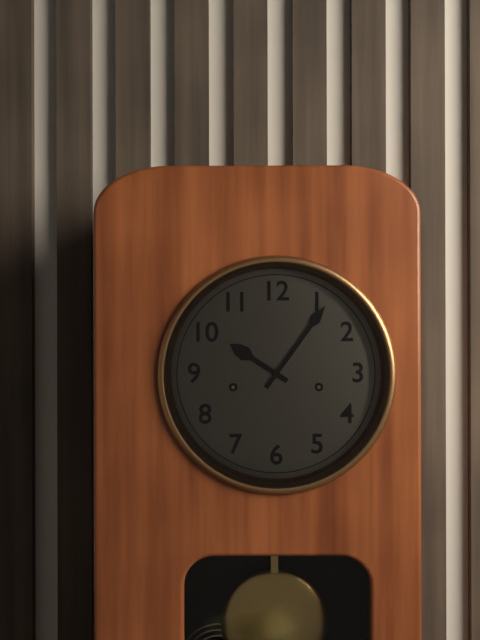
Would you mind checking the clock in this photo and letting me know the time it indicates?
10:06
